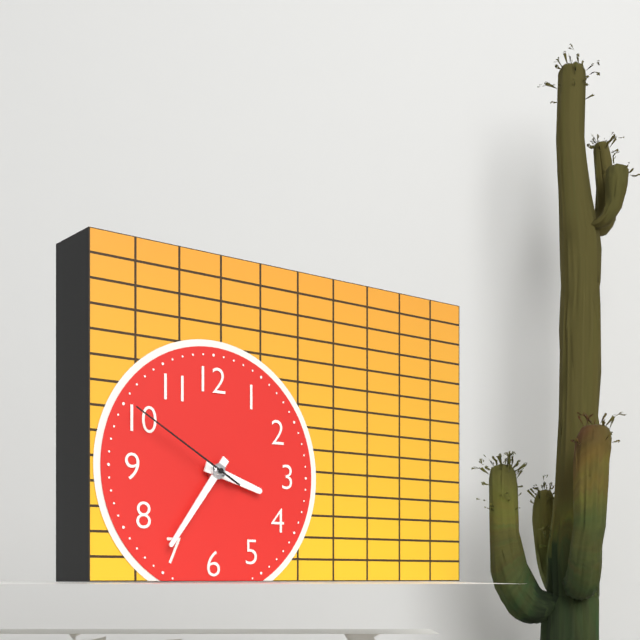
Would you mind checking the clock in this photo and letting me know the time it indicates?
3:36:50
